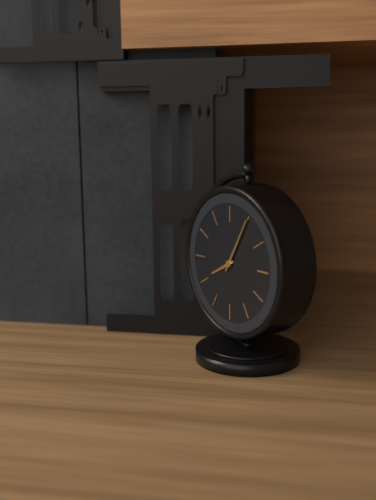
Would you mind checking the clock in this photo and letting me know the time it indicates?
8:05
